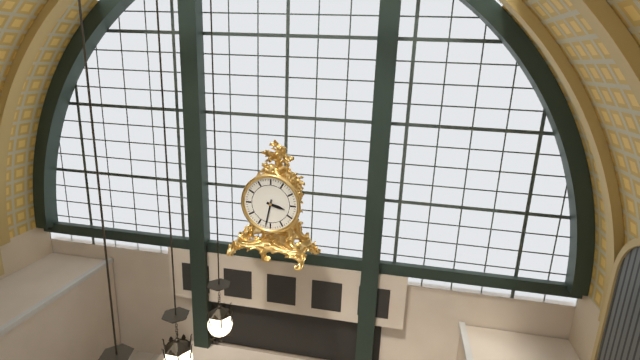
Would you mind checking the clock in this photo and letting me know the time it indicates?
3:32
